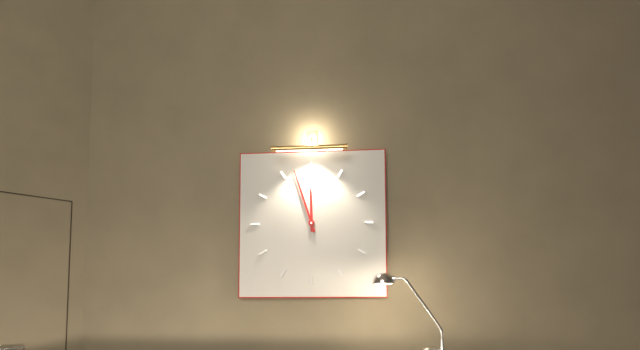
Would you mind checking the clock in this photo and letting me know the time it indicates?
11:57
